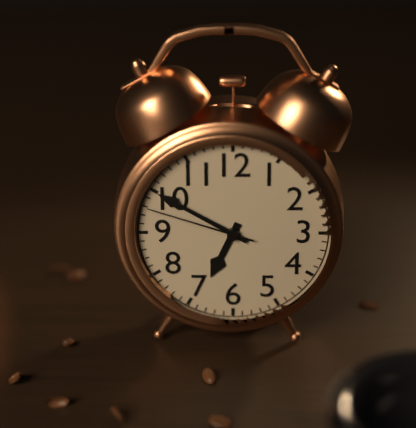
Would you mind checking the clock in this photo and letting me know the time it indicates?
6:50:48
